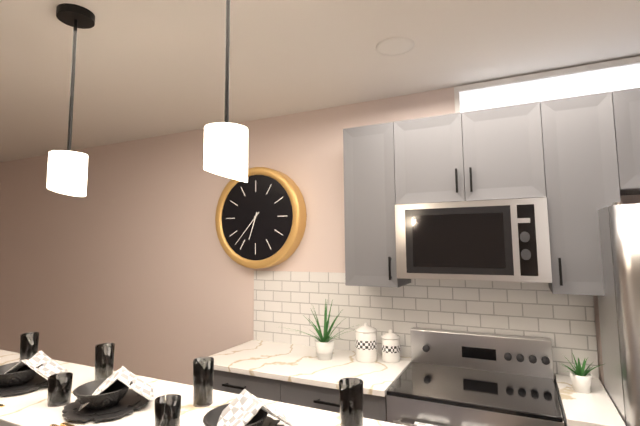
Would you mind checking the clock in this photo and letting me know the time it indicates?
6:37
